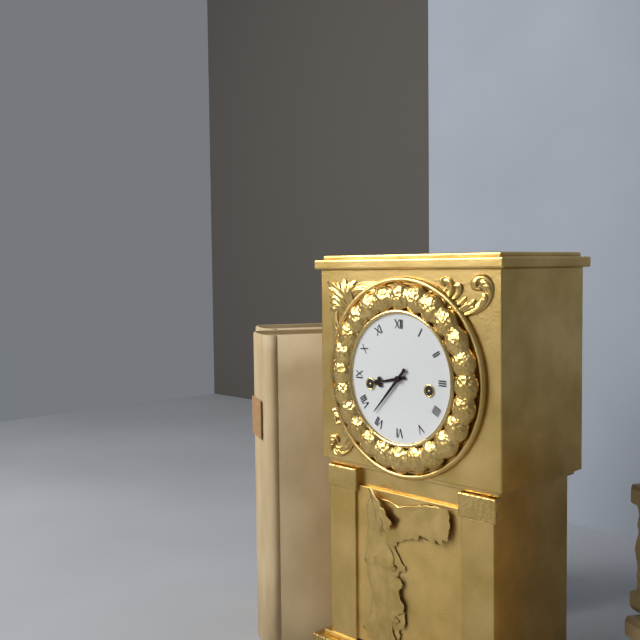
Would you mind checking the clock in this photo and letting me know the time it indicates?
8:37
